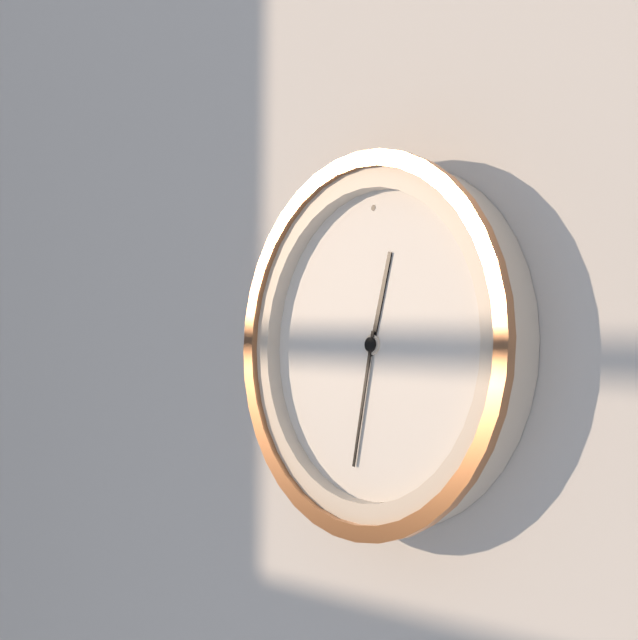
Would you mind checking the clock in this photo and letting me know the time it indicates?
12:32
